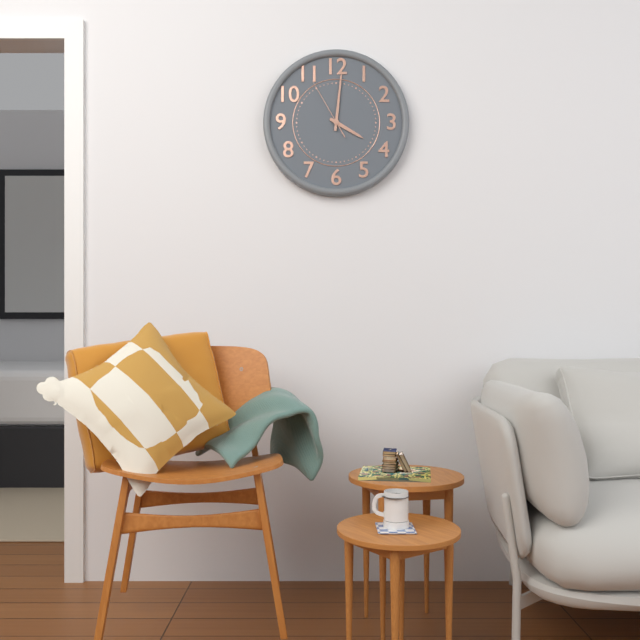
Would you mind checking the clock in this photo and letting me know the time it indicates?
4:01:55
